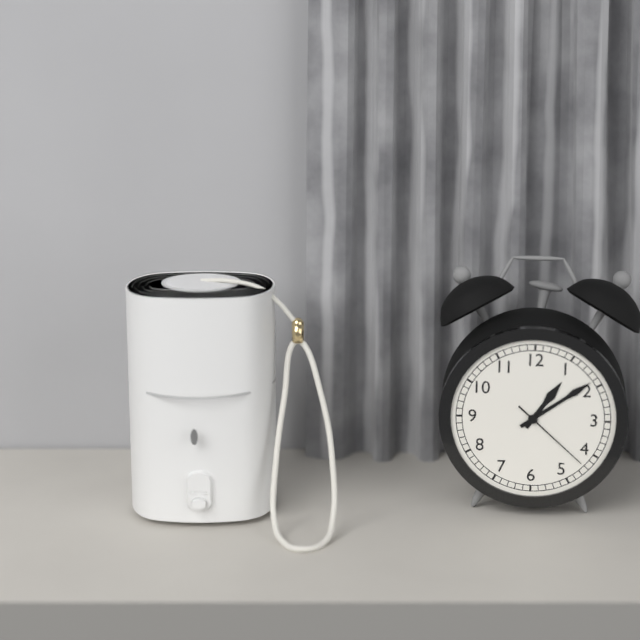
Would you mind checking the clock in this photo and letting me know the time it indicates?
1:09:22
